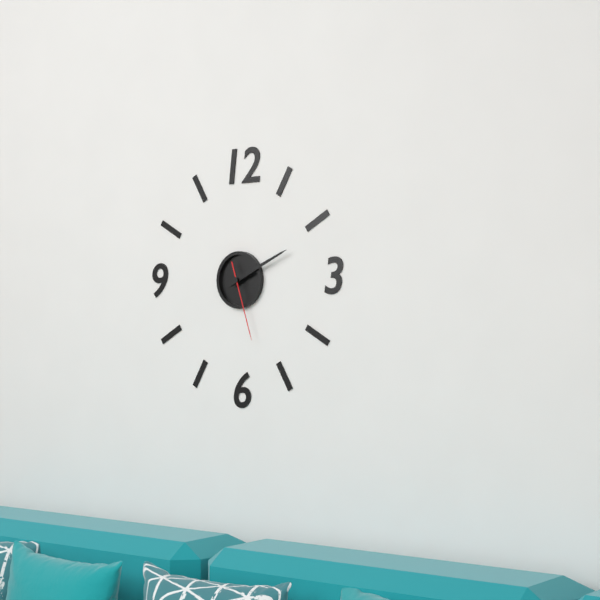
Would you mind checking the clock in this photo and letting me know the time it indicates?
2:11:27
